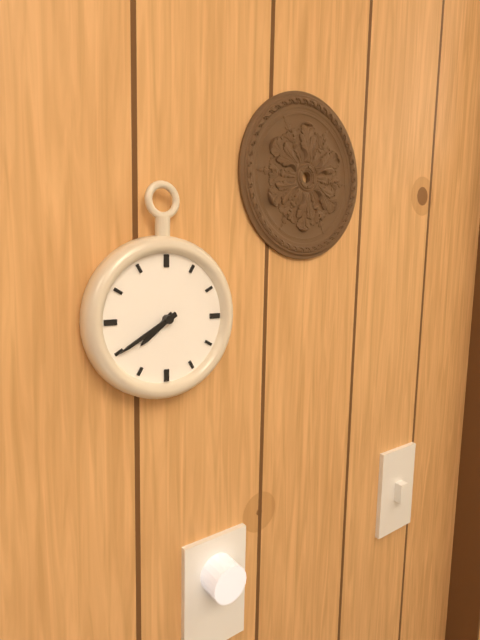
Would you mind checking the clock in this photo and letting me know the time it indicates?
7:40
